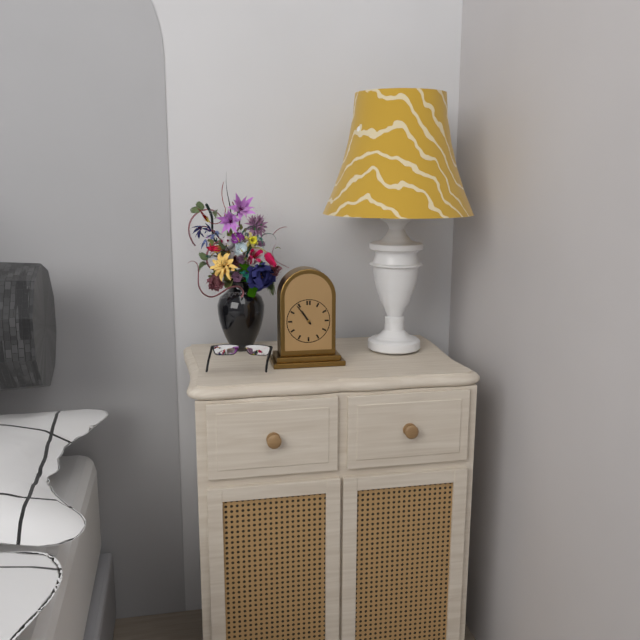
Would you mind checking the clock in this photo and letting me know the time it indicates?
10:54
